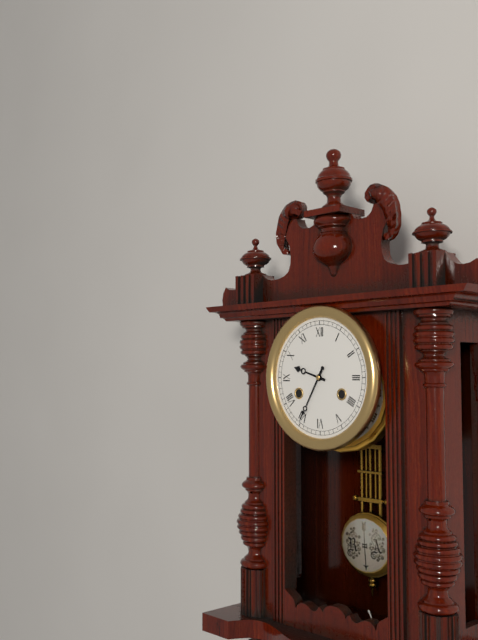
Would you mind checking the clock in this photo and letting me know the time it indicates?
9:35
